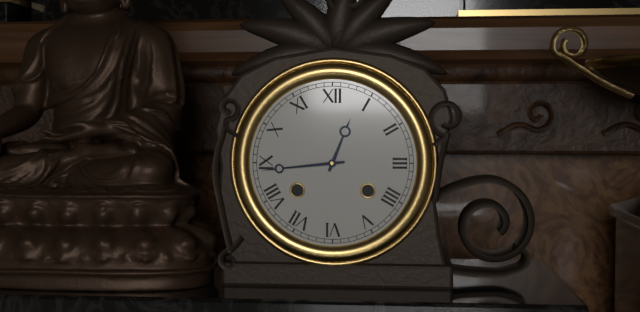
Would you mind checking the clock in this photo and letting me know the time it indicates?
12:44
